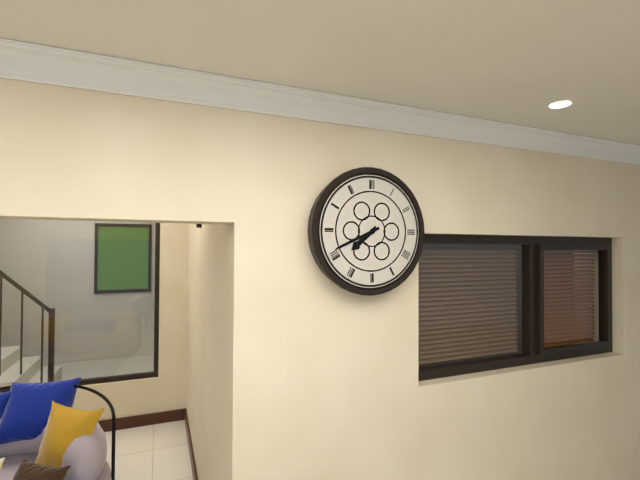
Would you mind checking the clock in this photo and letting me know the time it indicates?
7:41
